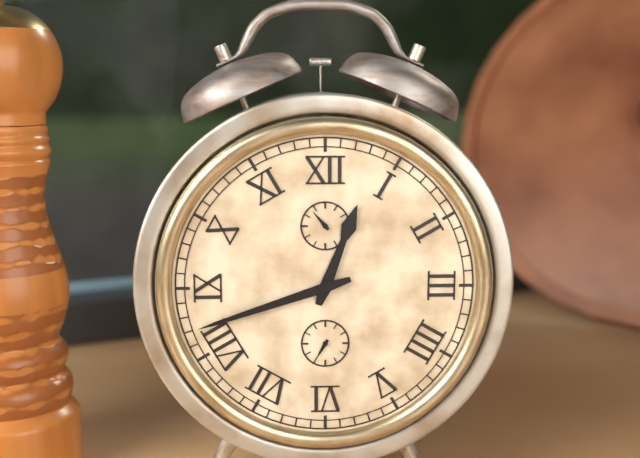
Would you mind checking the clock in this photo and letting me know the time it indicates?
12:42
